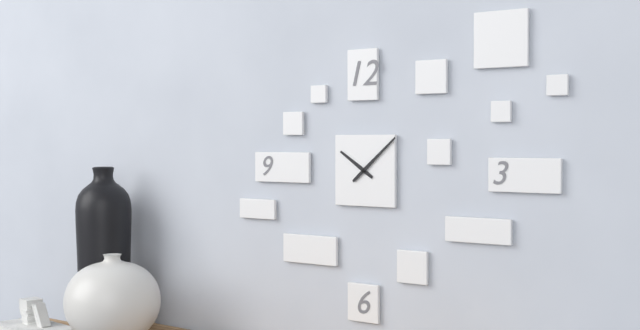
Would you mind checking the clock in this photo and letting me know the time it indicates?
10:08
